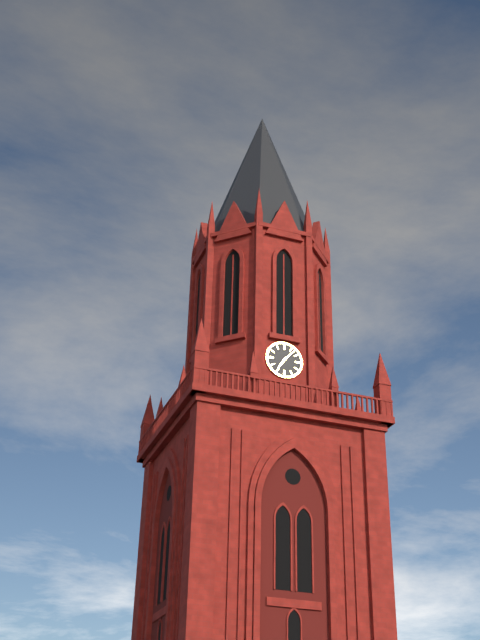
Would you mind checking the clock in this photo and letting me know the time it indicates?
7:07
